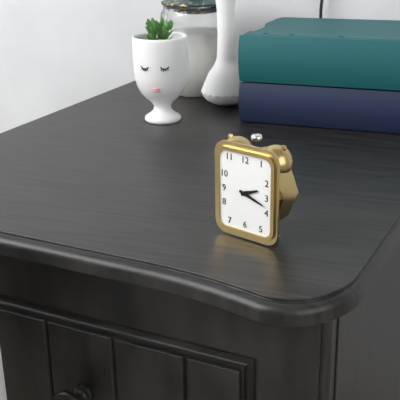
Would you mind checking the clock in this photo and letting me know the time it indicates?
2:18
